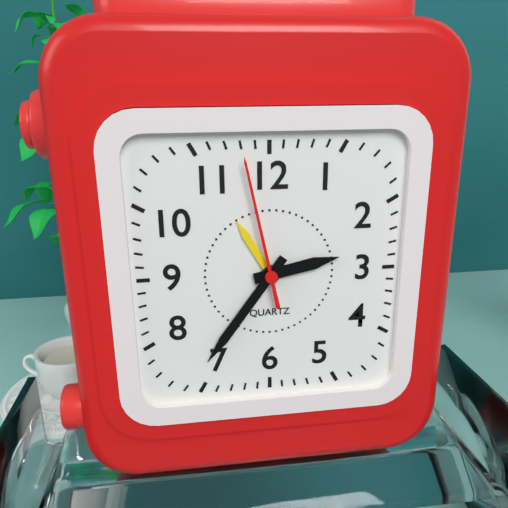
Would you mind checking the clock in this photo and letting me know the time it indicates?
2:36:58
